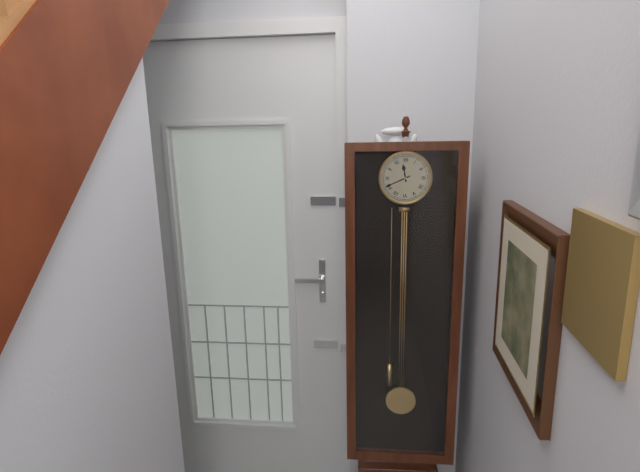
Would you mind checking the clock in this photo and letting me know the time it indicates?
11:41
